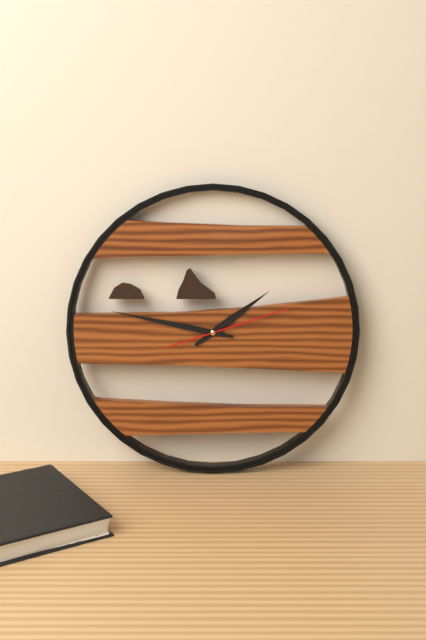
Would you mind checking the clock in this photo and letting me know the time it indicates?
1:47:12
